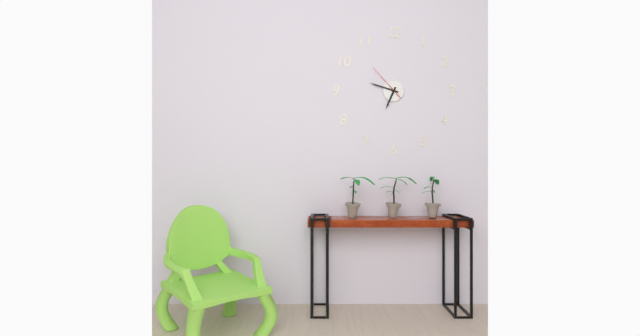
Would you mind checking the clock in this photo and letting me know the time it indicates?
6:48
